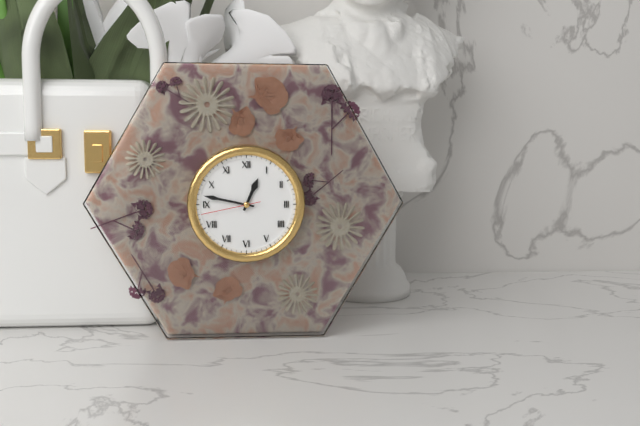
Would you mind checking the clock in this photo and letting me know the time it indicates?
12:47:43
